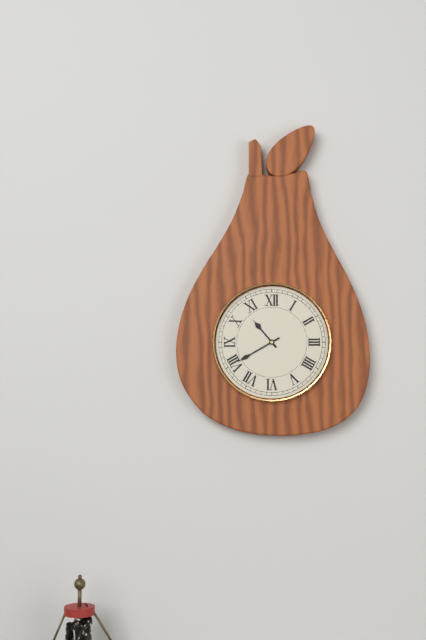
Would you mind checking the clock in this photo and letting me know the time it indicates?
10:40
